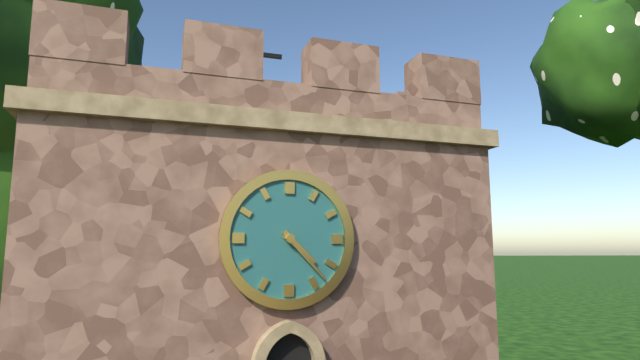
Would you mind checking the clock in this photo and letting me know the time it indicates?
4:23
